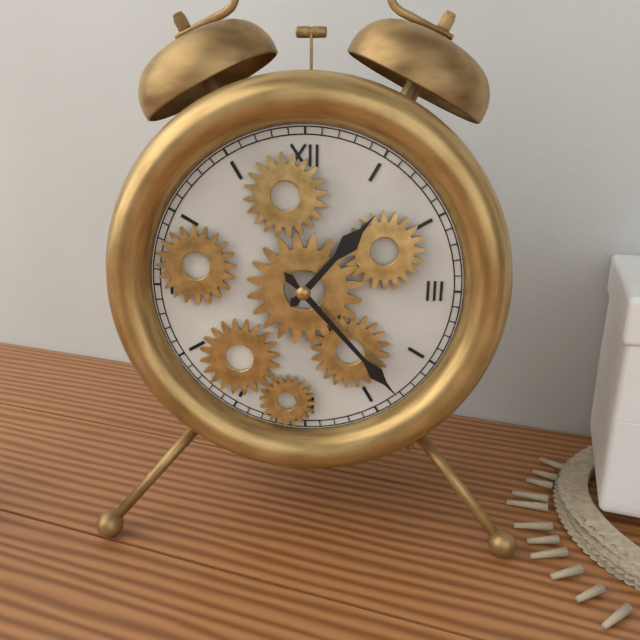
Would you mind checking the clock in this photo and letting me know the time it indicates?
1:23
